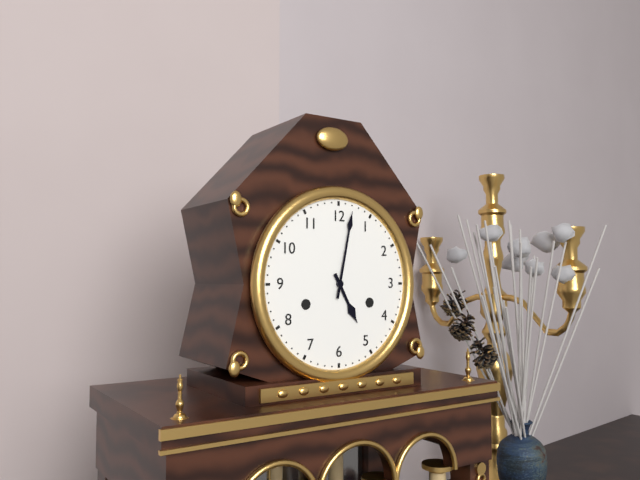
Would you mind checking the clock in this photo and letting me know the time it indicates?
5:02
